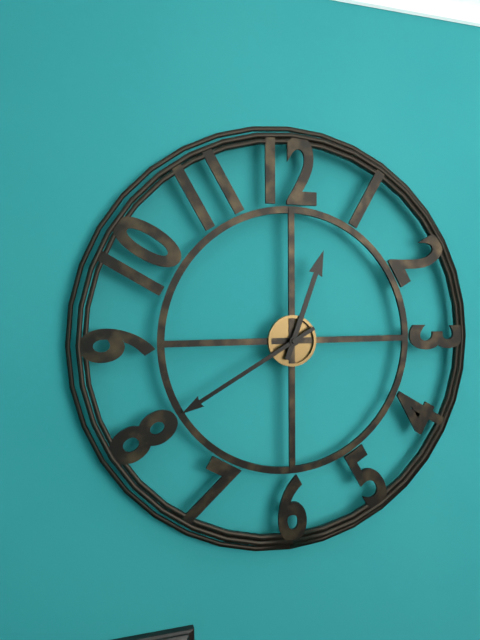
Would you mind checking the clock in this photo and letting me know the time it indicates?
12:40
